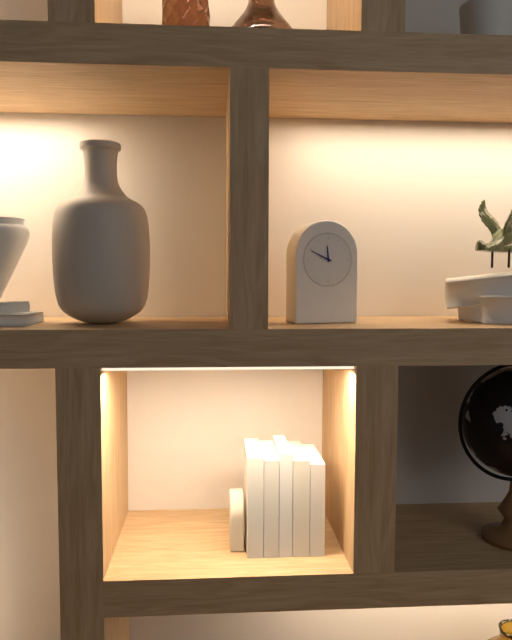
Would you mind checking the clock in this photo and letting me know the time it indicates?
11:49
